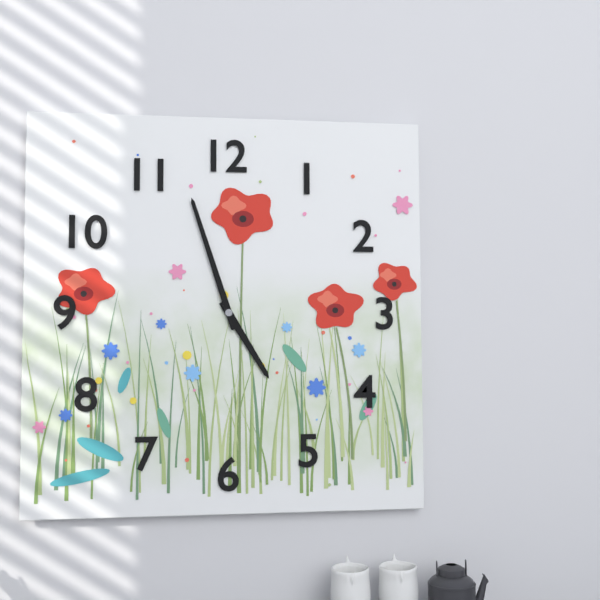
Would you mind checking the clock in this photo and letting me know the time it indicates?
4:57
